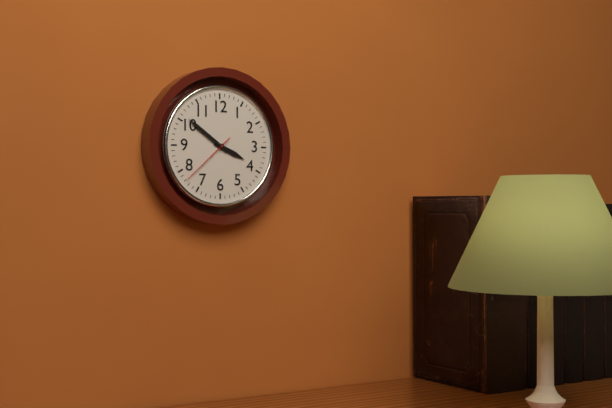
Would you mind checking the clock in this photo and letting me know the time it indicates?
3:51:38
